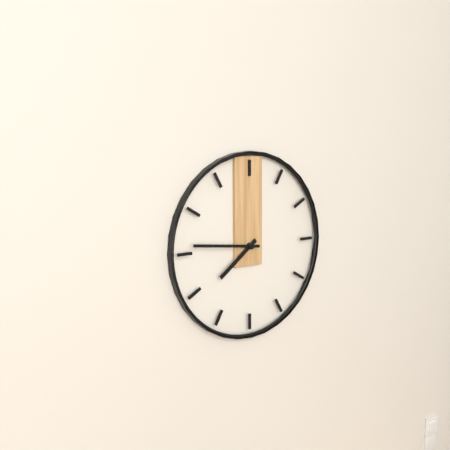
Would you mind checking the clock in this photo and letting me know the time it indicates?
7:46
